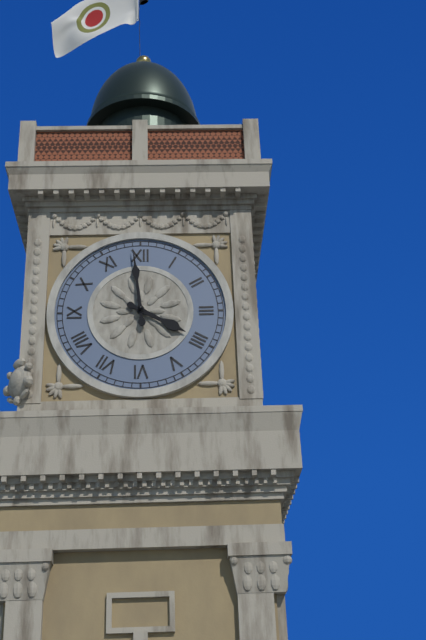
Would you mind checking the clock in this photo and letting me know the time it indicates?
3:59
